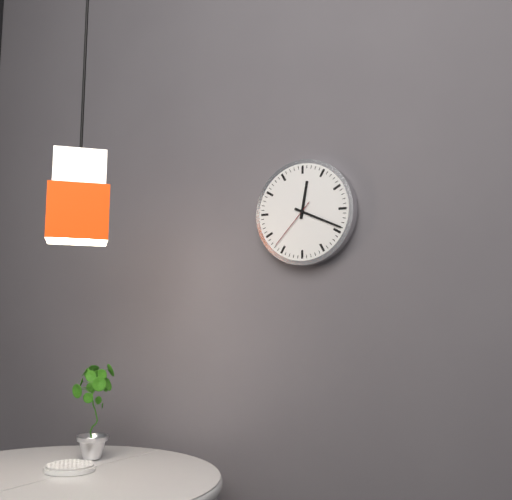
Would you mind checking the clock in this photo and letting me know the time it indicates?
12:19:37
